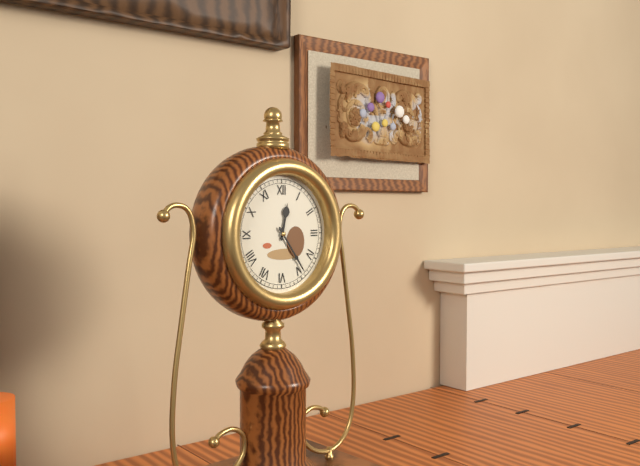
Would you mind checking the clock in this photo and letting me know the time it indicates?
12:24
